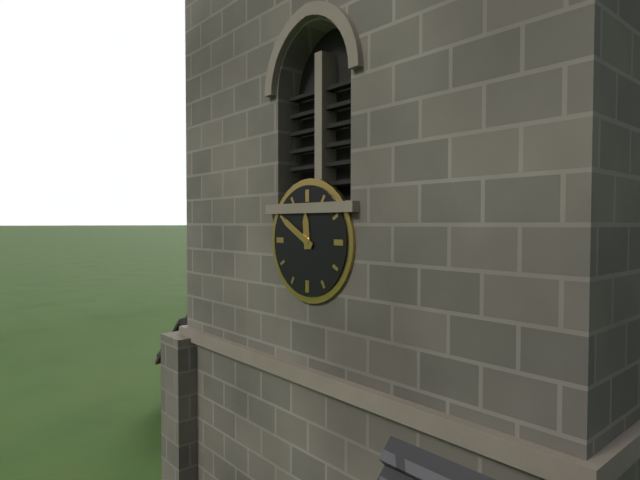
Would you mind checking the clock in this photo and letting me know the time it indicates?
11:50
